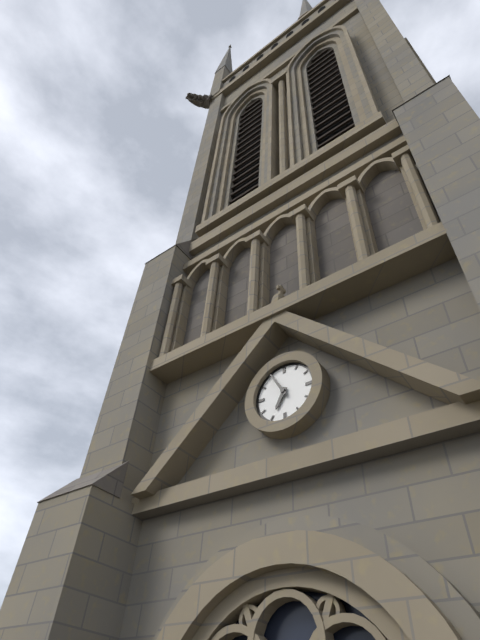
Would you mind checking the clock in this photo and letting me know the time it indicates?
6:55
